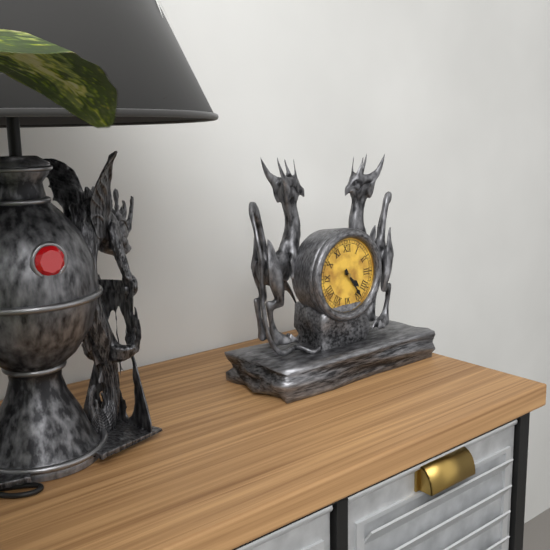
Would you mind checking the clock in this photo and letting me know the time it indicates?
4:24
